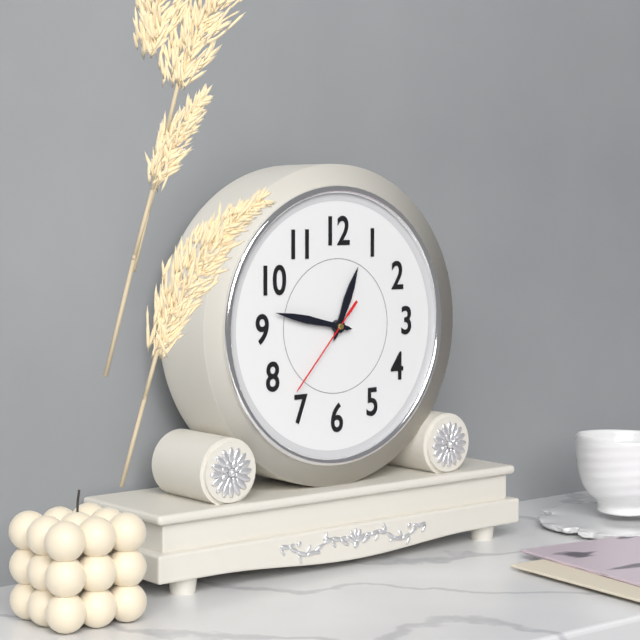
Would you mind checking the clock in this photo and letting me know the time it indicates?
12:47:37
